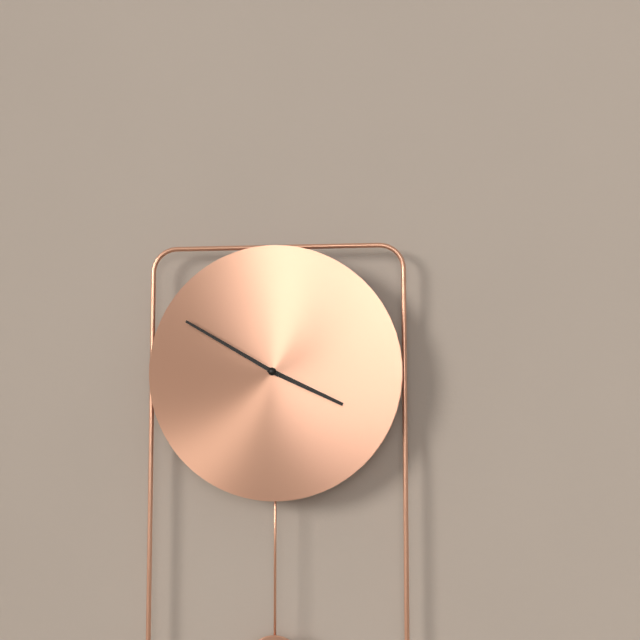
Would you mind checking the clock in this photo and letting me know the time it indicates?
3:50
